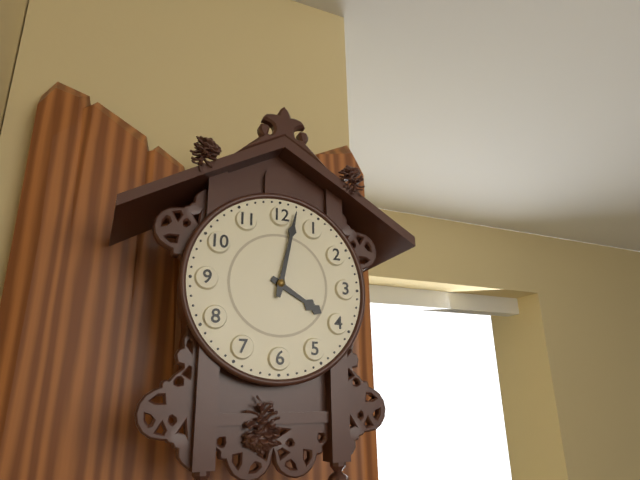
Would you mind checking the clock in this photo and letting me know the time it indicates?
4:02
